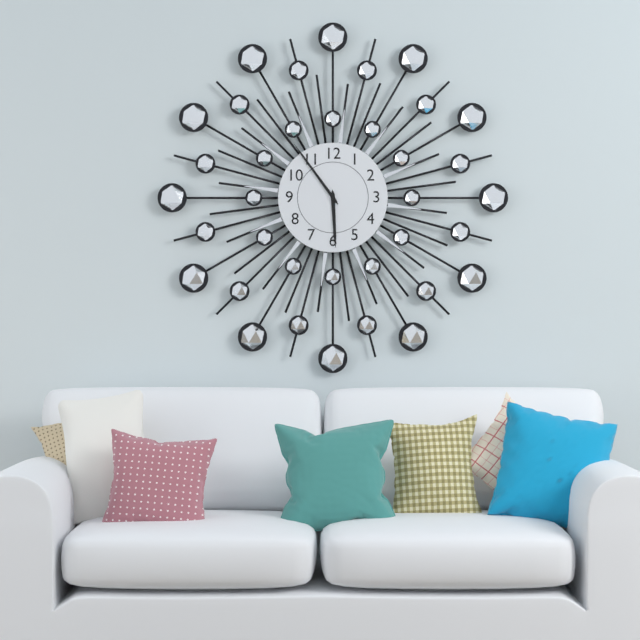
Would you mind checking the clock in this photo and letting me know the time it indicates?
5:54
